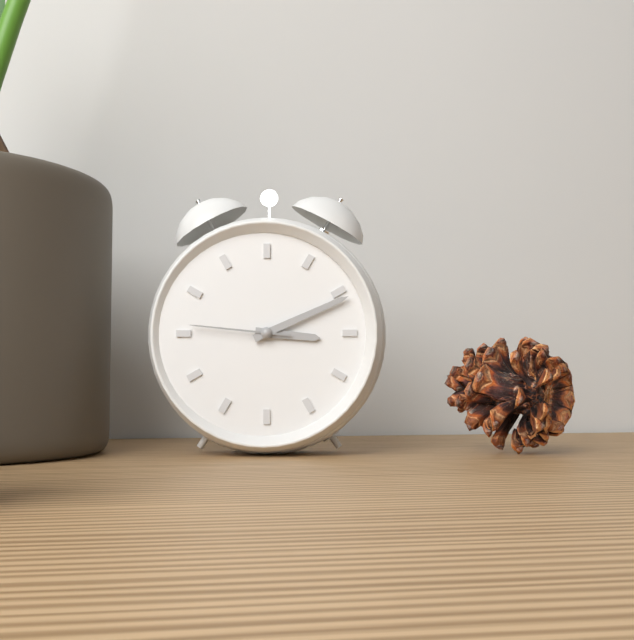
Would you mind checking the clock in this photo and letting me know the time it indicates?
3:11:46
